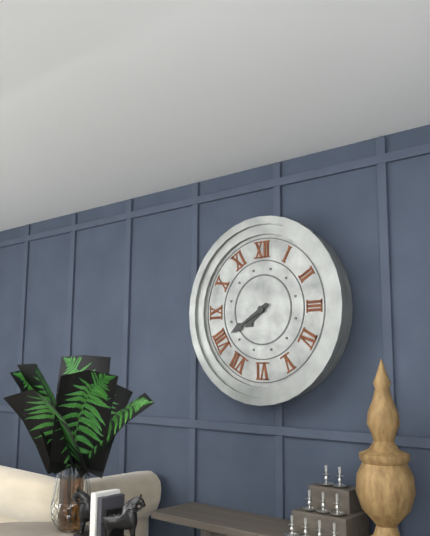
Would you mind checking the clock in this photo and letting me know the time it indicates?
7:40
